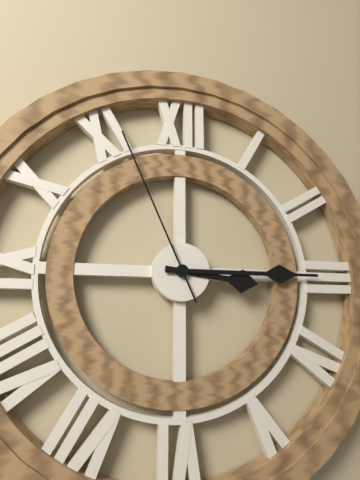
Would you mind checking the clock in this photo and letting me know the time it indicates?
3:15:56
